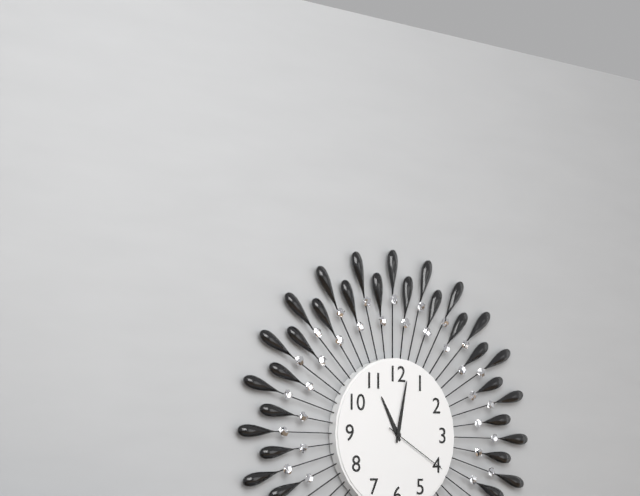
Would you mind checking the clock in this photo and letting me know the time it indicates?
11:02:20
